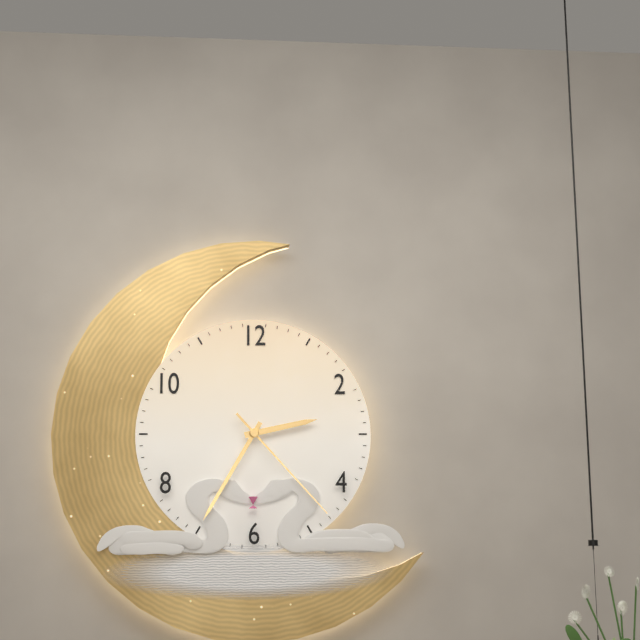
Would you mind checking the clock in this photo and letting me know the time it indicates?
2:35:23
